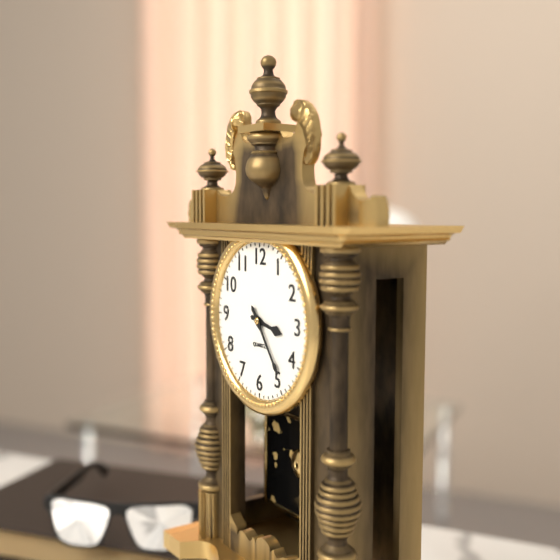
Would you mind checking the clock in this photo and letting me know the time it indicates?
3:24
